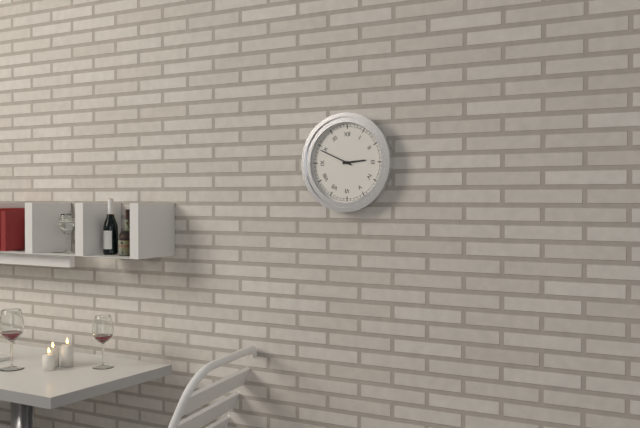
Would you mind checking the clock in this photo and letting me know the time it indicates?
2:49
